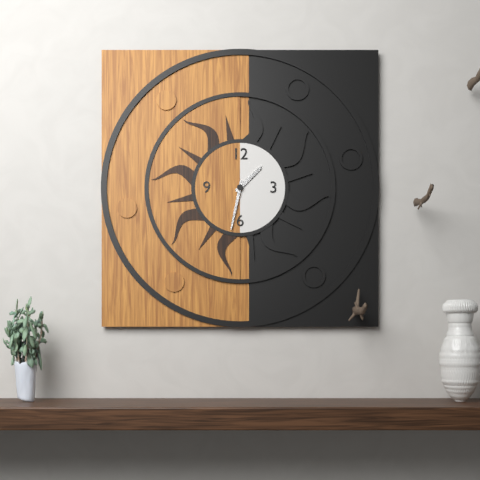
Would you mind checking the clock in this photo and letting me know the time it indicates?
1:32
